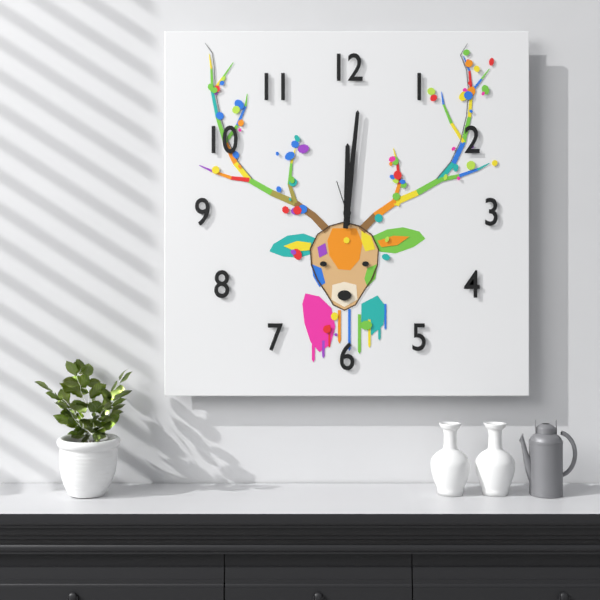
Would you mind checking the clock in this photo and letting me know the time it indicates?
12:01
